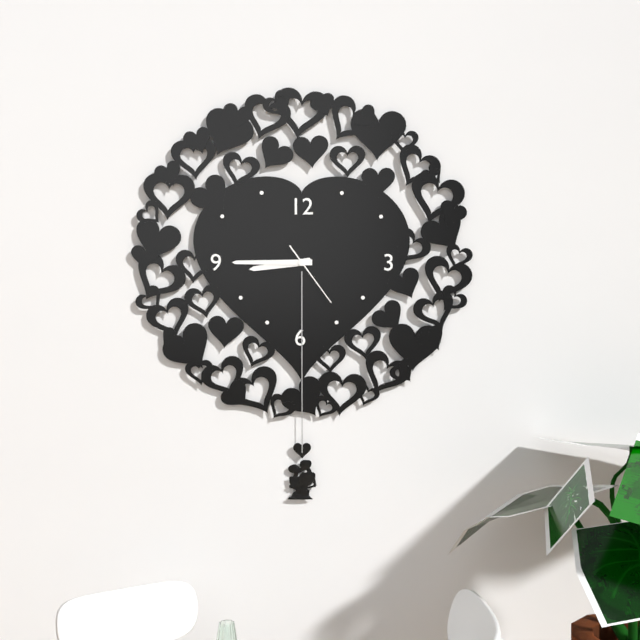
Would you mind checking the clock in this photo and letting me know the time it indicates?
8:45:24
